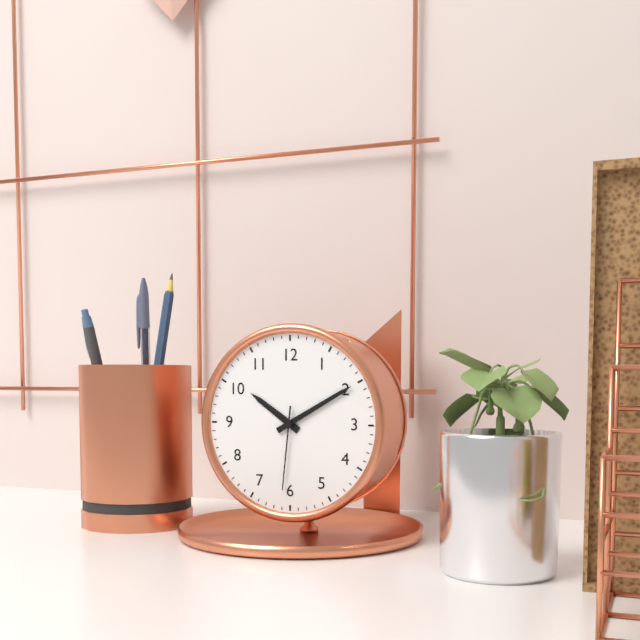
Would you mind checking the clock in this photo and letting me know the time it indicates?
10:10:31
